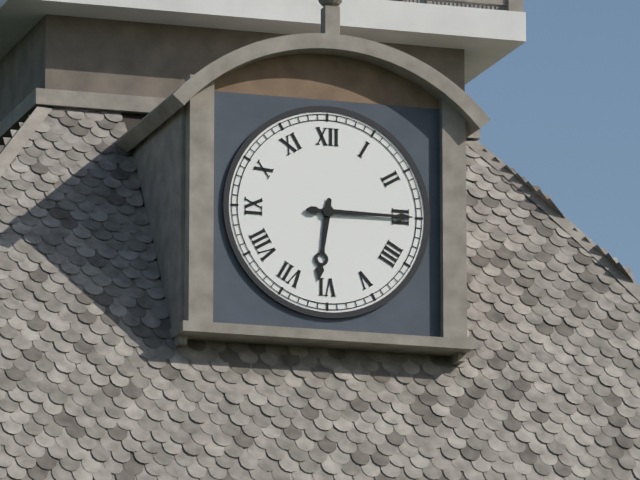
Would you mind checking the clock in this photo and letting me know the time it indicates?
6:15
